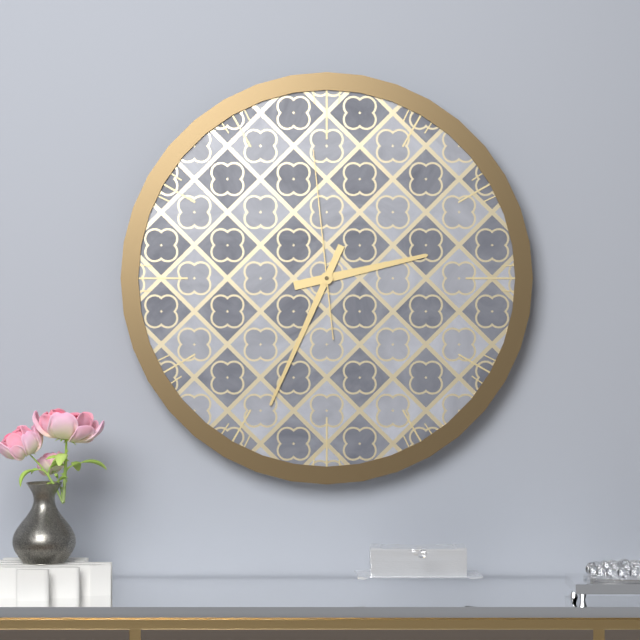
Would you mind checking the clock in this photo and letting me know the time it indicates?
2:34:59
